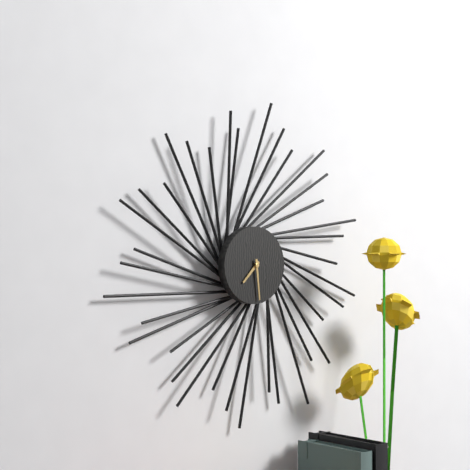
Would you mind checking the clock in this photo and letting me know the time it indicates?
7:29
